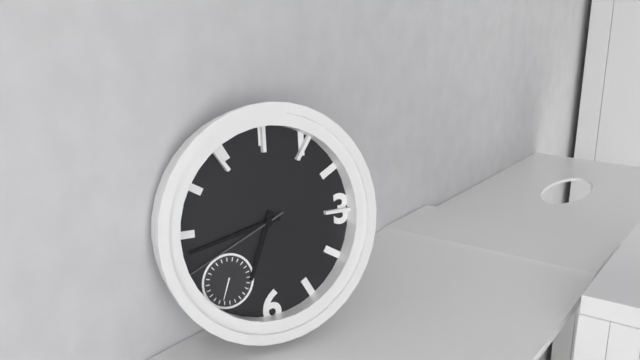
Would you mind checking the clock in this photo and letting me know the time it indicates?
6:43:41
